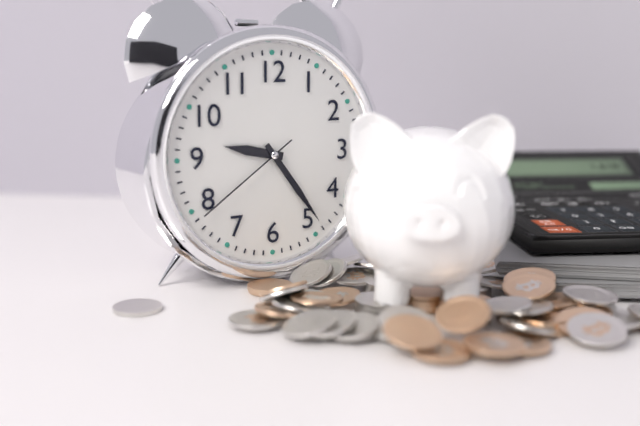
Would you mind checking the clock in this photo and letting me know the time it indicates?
9:24:39
